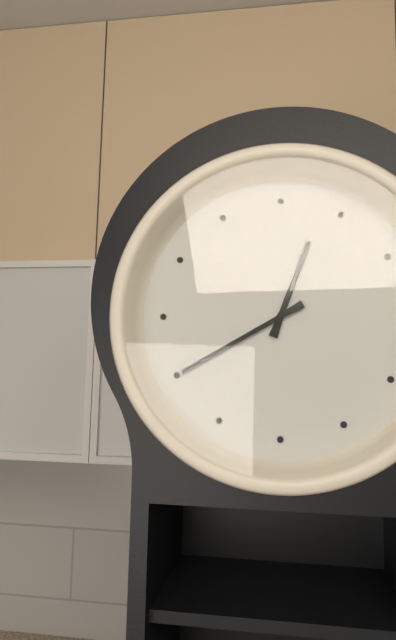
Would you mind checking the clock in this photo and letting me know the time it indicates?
12:40
